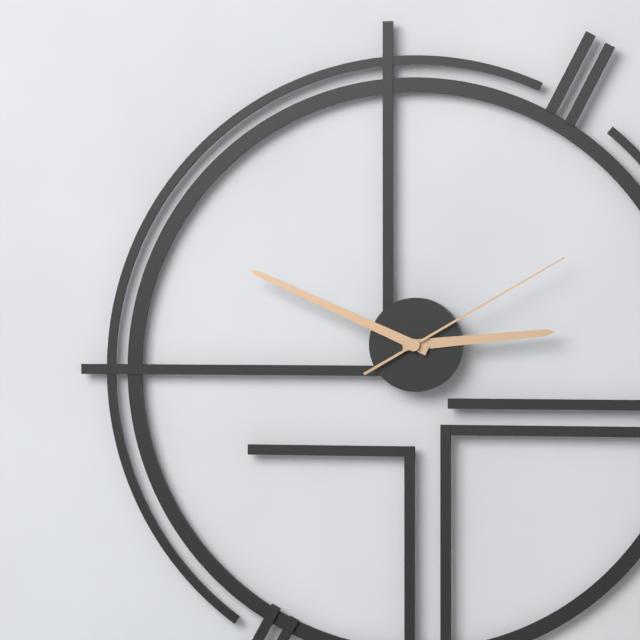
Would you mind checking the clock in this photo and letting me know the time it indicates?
2:49:10
